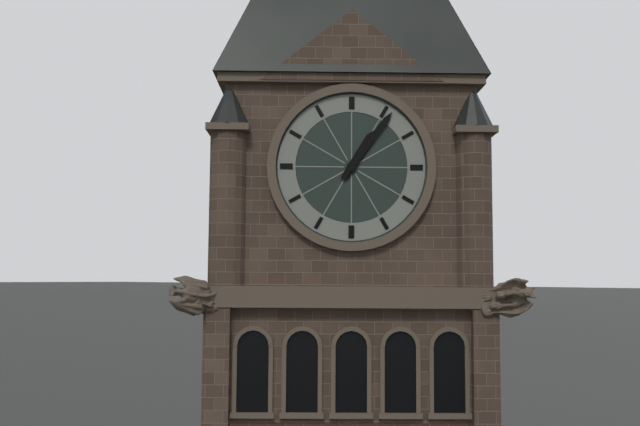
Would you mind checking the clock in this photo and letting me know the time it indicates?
1:06
